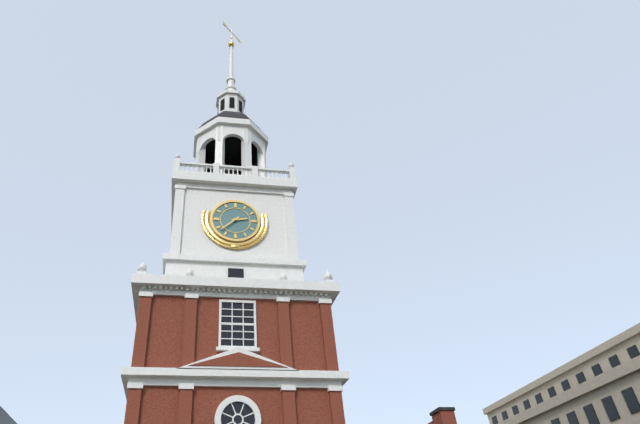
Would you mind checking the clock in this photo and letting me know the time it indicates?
2:38
